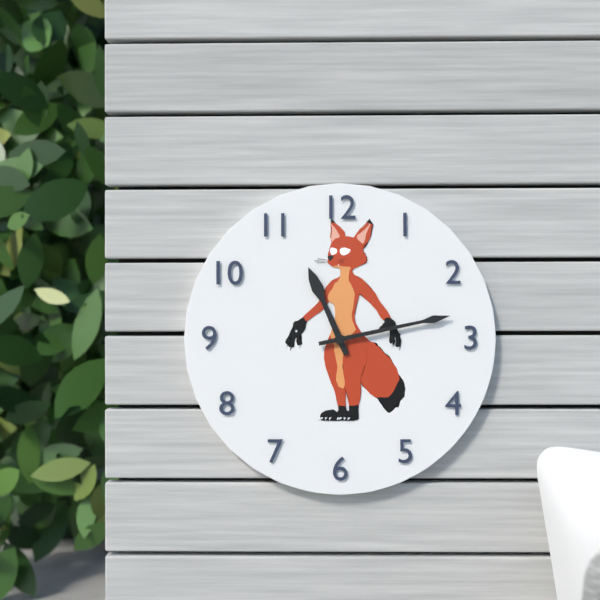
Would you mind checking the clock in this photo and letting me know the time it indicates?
11:13
